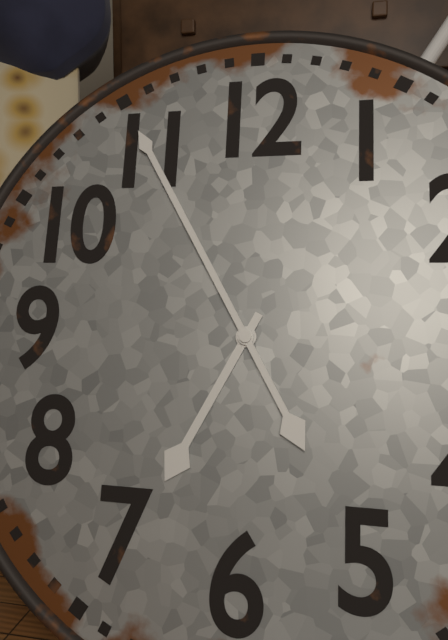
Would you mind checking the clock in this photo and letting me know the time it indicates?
6:55
